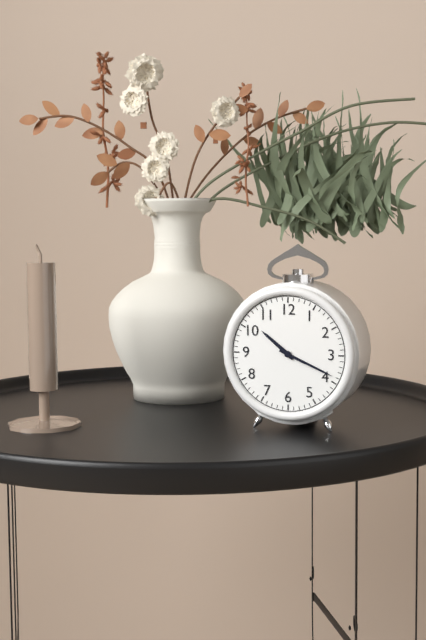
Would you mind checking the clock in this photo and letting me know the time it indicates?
10:19
